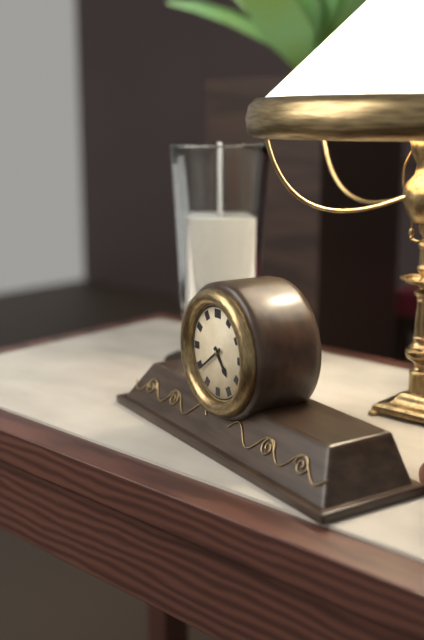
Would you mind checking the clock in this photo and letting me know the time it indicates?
4:39
